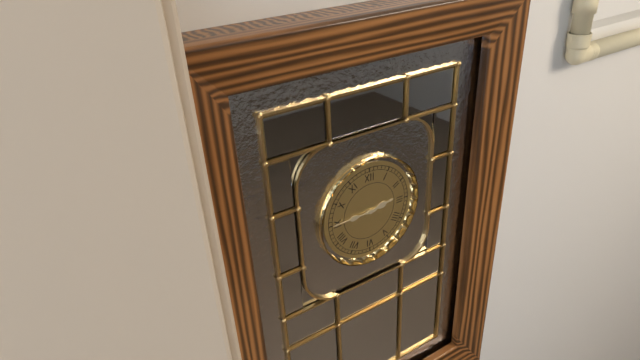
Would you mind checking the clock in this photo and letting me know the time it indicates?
2:45
